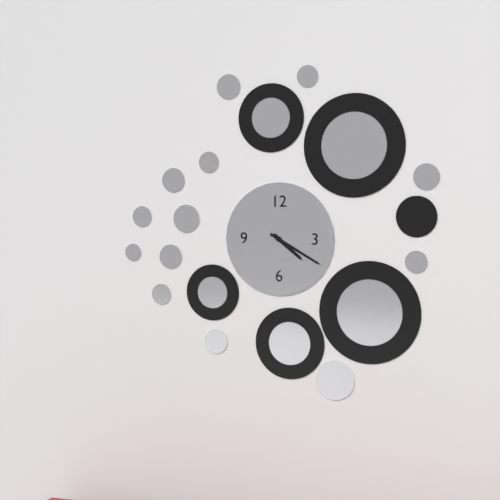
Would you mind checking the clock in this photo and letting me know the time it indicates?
4:20
